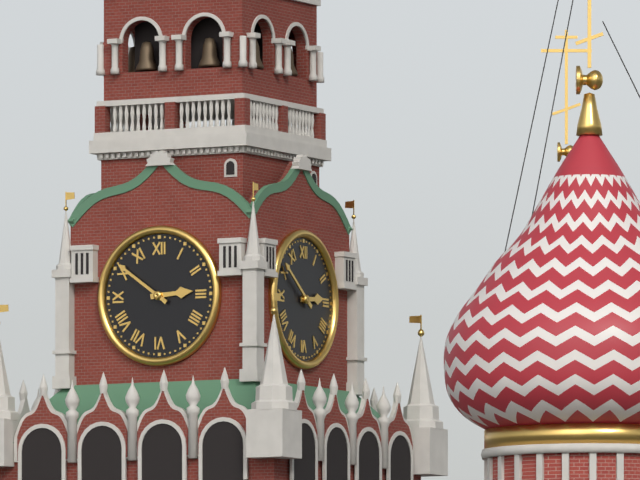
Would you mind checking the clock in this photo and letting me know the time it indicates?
2:51
